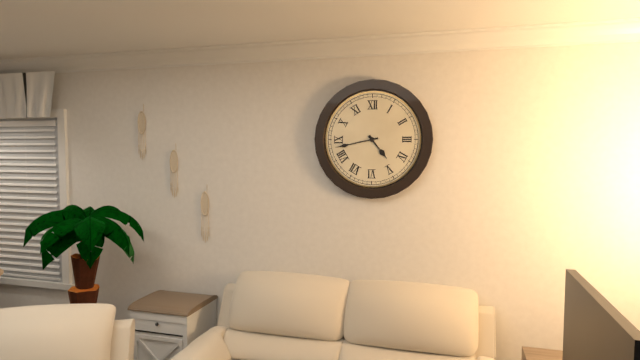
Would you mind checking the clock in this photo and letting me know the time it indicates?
4:43
